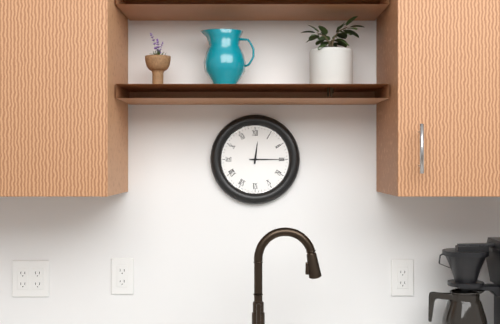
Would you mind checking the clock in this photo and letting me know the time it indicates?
12:15
